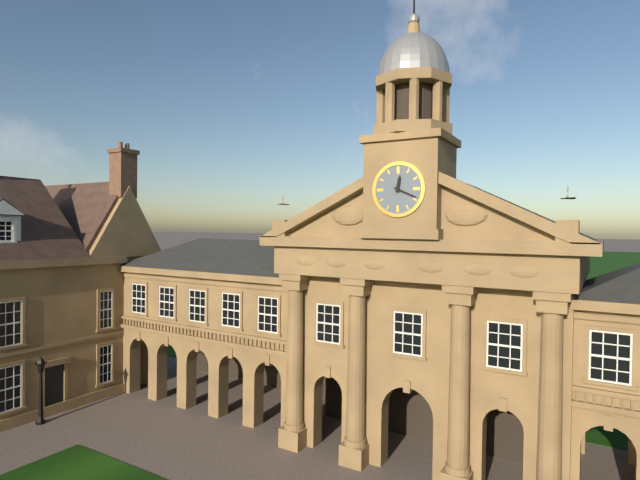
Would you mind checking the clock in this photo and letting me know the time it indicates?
12:19
